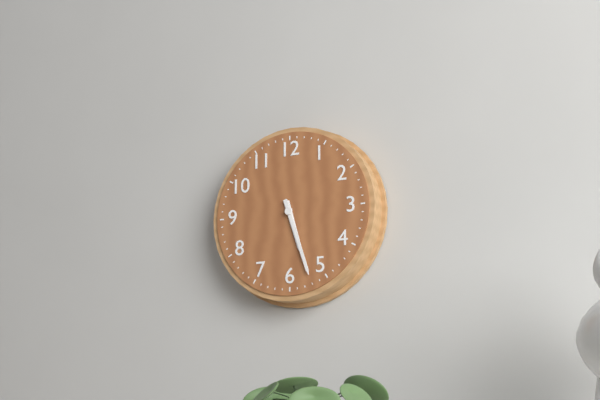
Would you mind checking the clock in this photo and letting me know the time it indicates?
5:27
